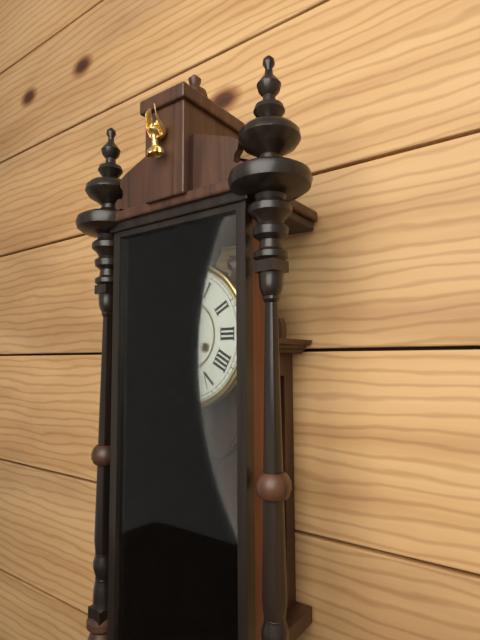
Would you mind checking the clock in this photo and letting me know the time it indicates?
9:53
